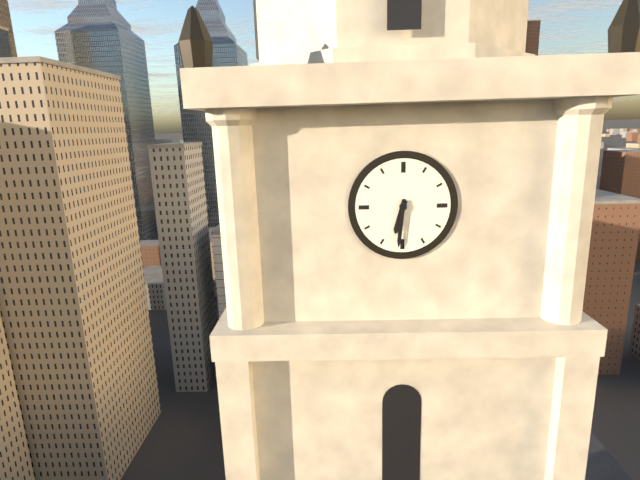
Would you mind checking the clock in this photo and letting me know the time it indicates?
6:31
